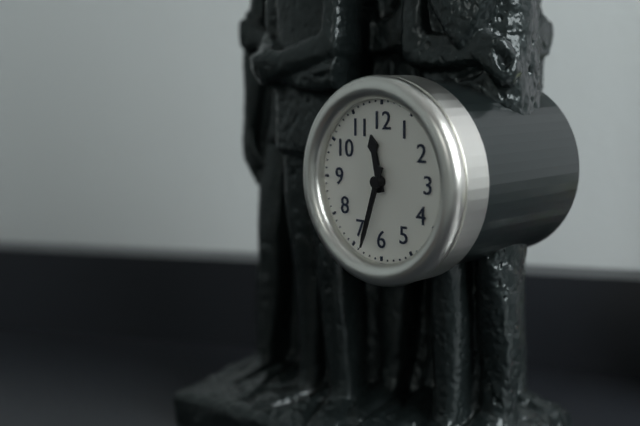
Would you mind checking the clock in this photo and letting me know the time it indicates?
11:33
